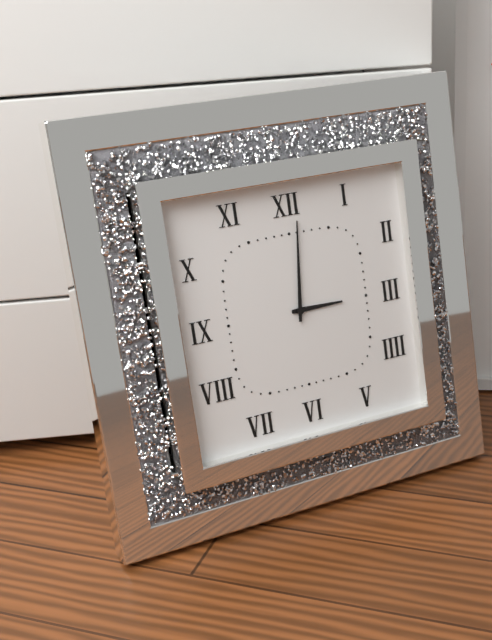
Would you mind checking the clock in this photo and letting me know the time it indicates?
3:01
